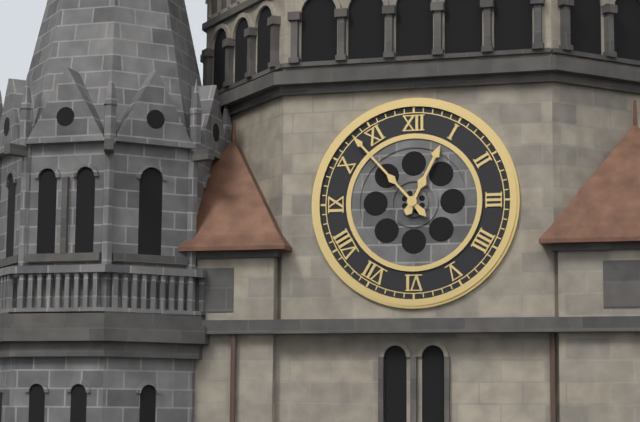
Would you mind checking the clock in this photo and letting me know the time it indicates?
12:53
